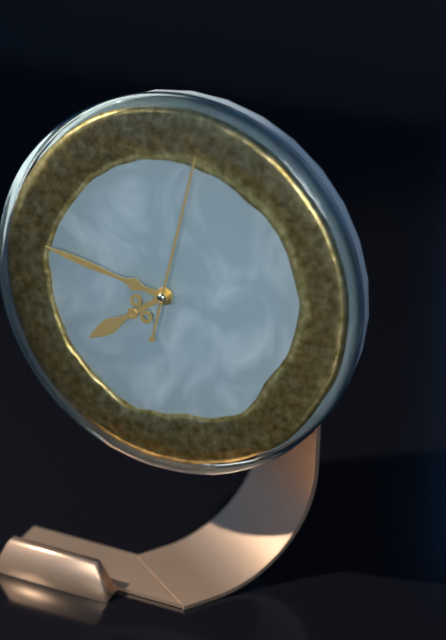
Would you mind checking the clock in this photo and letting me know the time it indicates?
7:47:02
